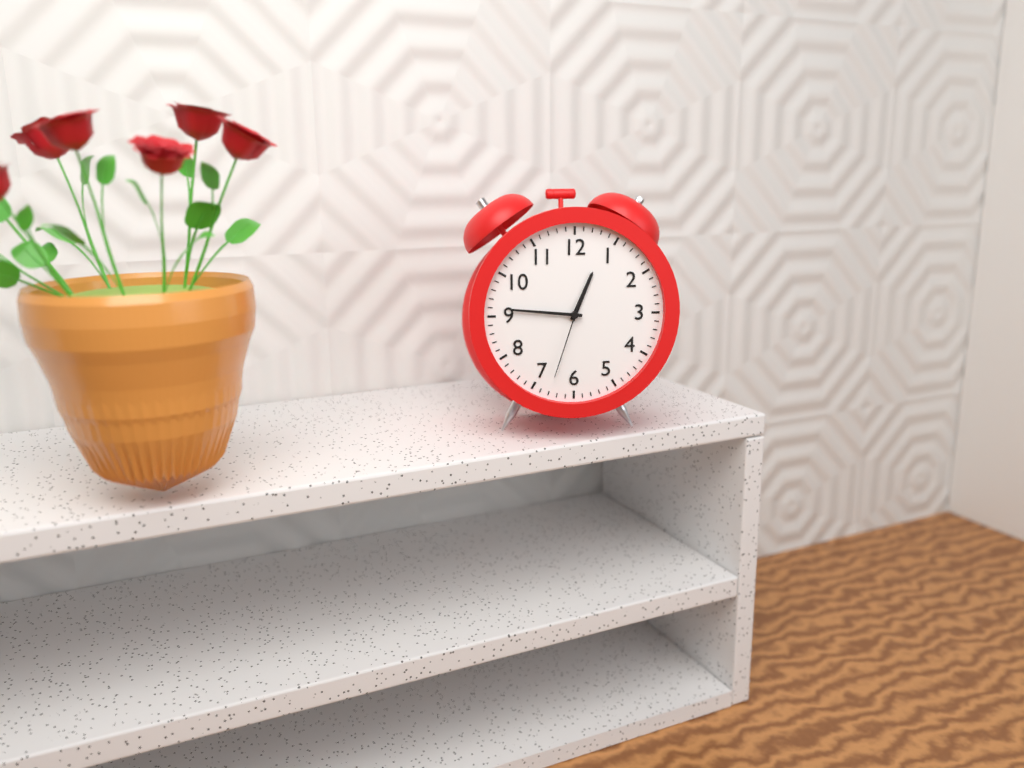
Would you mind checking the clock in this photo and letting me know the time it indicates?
12:46:33
